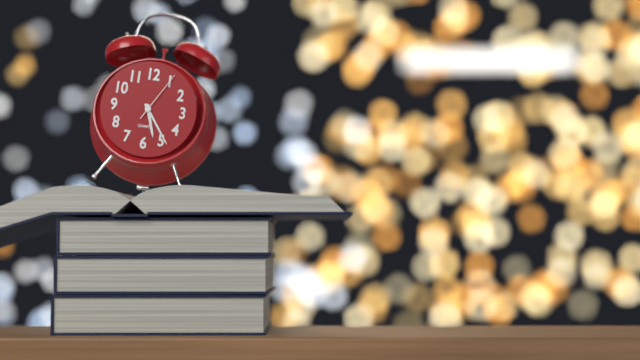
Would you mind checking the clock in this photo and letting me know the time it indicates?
5:24:05
